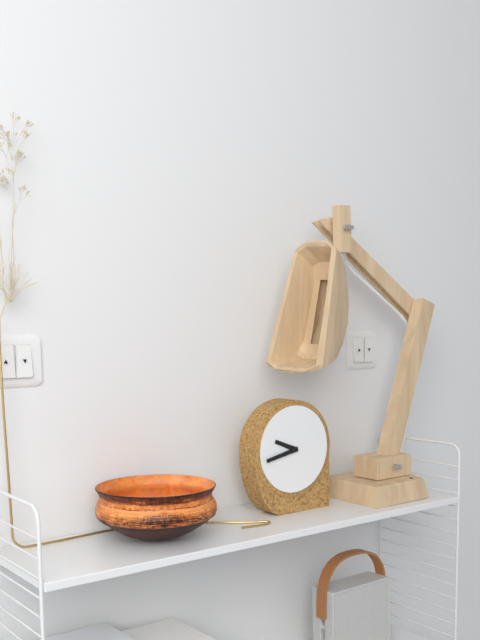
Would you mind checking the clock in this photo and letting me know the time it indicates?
9:43
